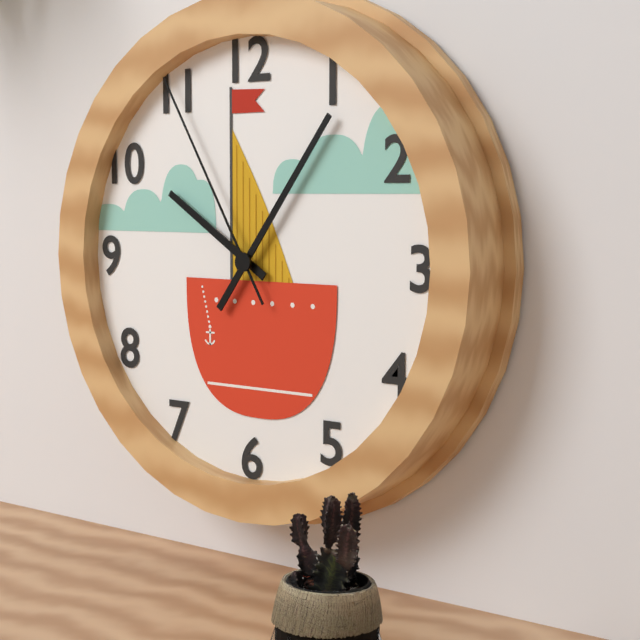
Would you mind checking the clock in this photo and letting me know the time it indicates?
10:06:55
